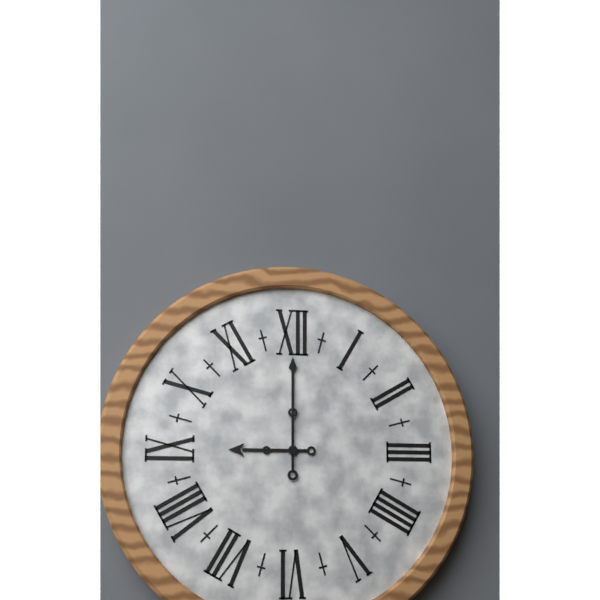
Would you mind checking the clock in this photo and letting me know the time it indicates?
9:00
